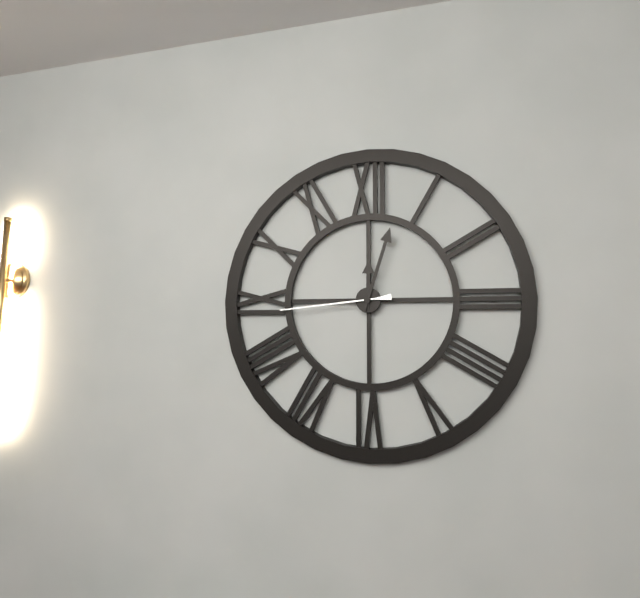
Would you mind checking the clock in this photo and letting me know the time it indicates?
12:03:44
